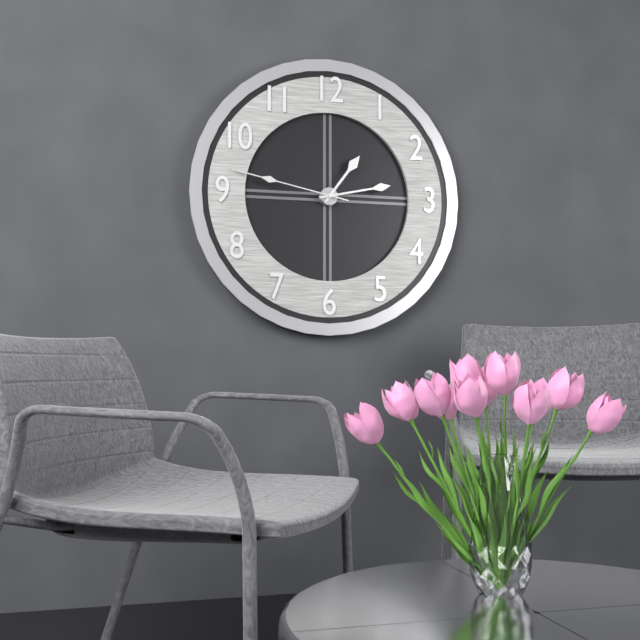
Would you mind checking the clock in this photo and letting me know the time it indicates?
1:13:47
